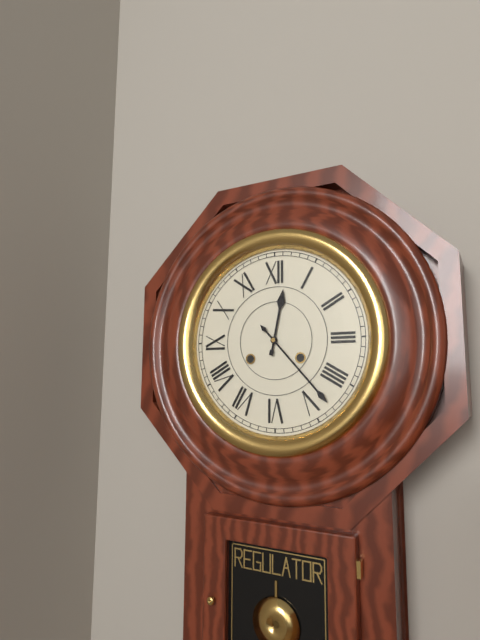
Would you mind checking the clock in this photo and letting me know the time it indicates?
12:23
